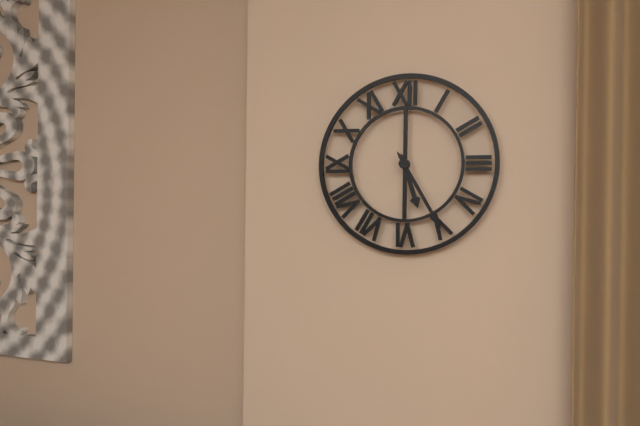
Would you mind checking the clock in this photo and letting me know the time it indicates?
5:25
